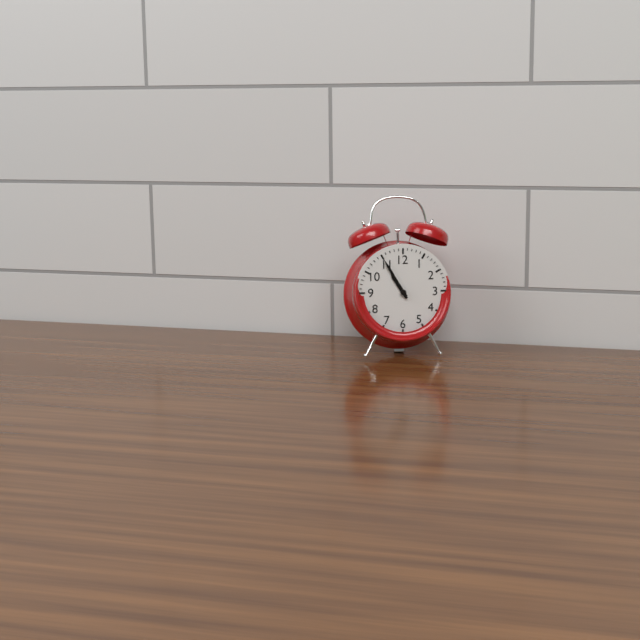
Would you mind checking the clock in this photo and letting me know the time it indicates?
10:55
